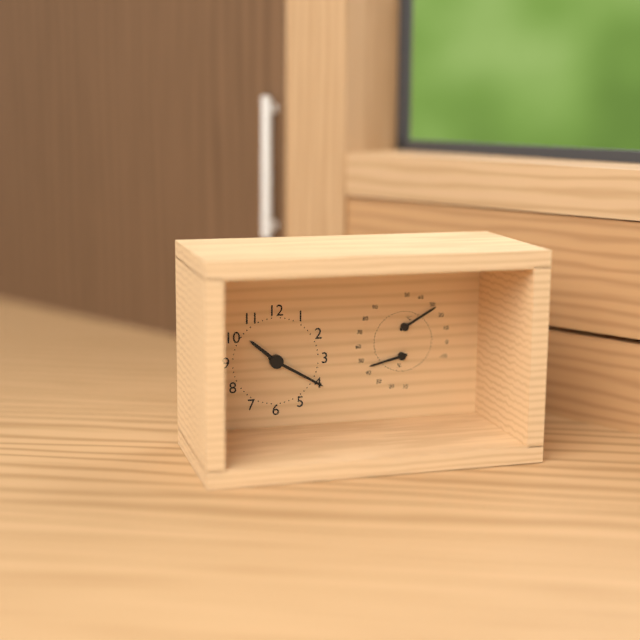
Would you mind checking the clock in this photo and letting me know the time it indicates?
10:20
